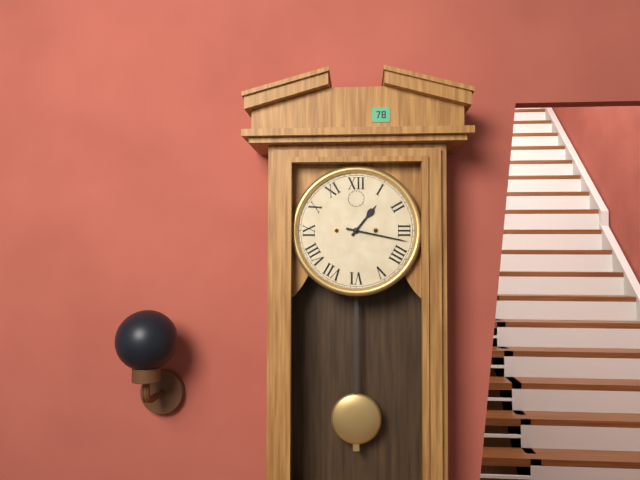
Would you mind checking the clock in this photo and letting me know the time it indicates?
1:17
